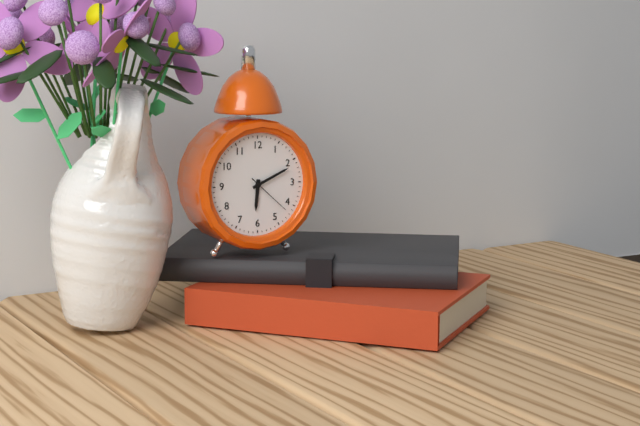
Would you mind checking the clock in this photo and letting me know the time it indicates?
6:11:22
